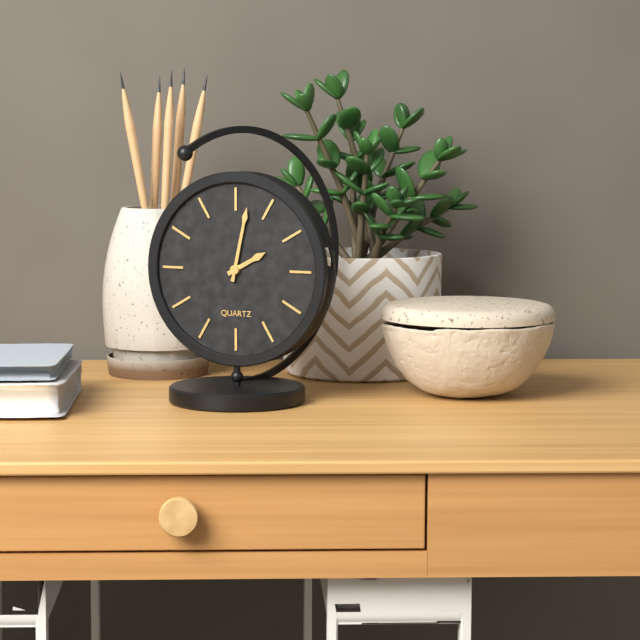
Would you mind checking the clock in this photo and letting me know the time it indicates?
2:02
